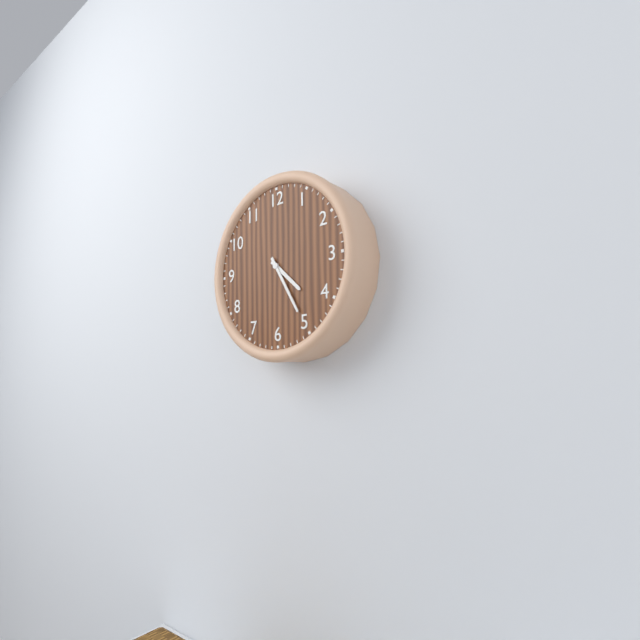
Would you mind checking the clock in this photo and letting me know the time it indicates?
4:25
